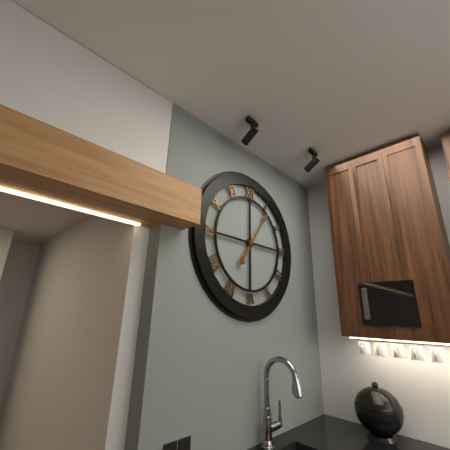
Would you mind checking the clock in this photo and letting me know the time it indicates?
7:06
